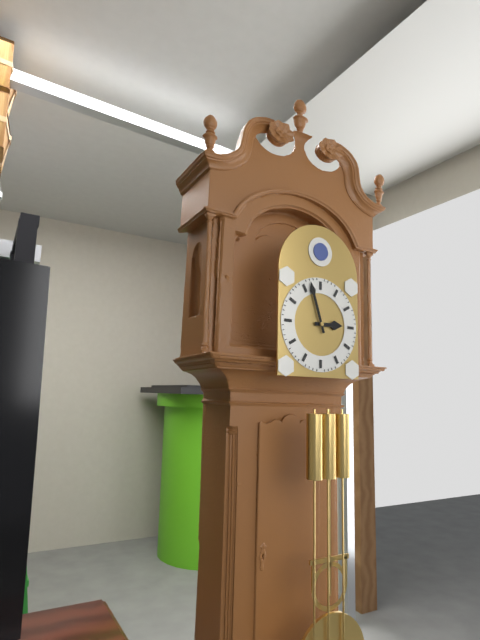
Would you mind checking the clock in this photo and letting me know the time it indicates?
2:57
